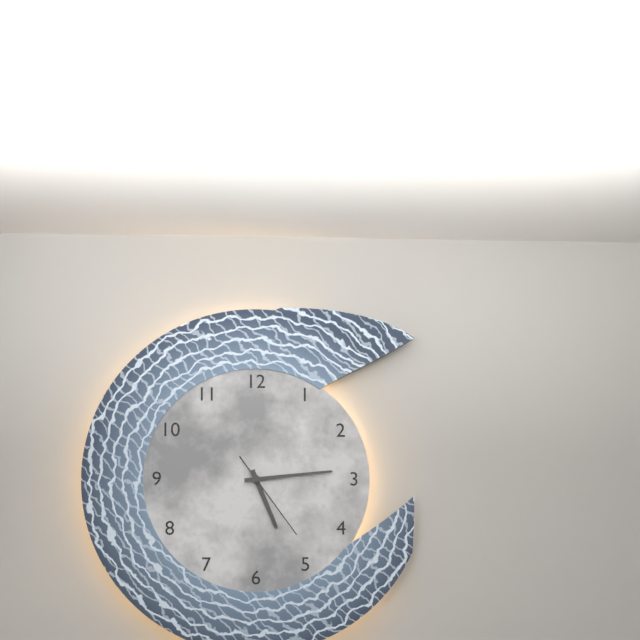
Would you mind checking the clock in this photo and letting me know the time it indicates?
5:14:24
